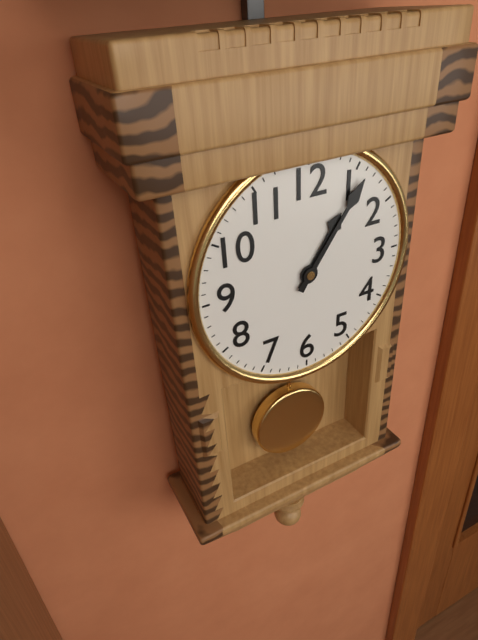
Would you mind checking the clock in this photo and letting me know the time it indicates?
1:06
